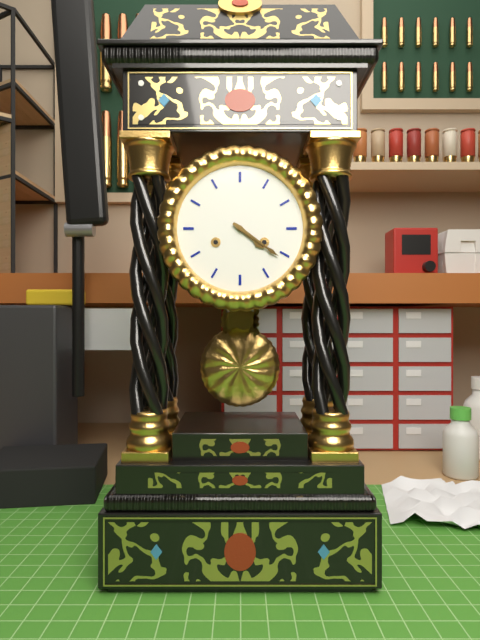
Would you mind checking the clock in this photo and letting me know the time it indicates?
4:21
